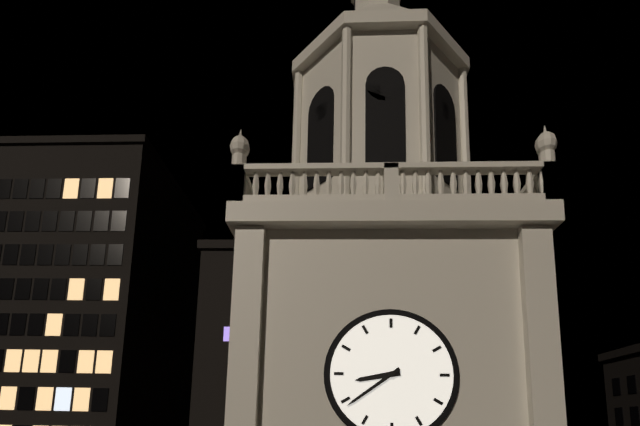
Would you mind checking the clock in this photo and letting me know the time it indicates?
8:39
